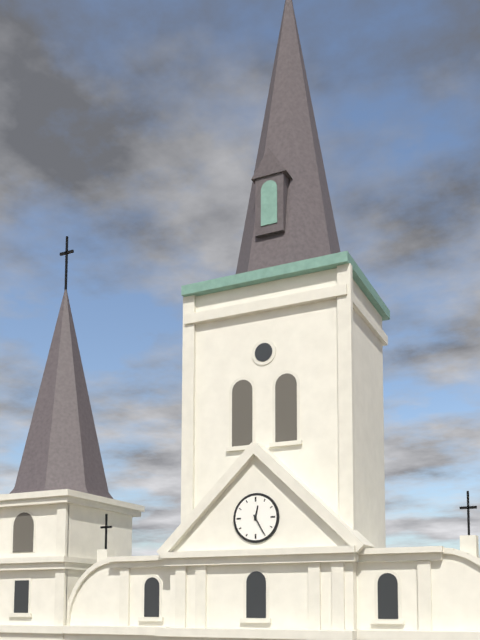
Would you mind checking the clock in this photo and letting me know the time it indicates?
12:25
